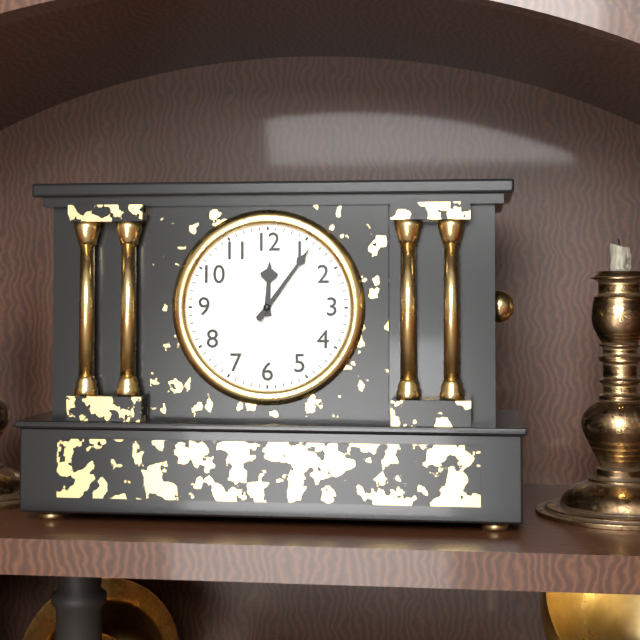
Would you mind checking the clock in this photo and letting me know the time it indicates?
12:06
